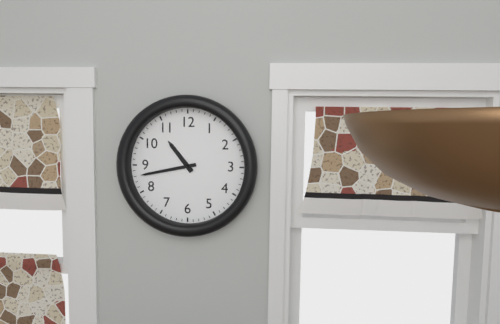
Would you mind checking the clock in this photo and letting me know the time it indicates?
10:43
